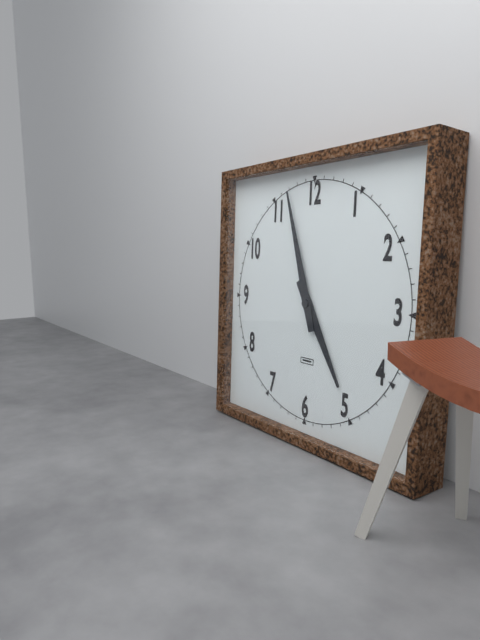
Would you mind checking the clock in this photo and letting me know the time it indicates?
4:57
